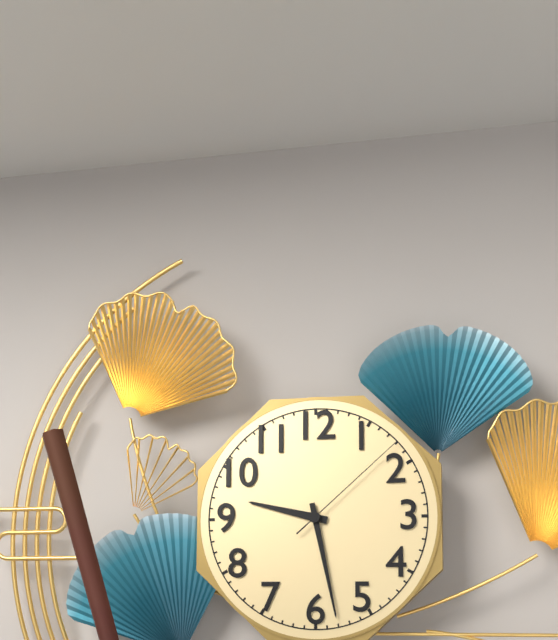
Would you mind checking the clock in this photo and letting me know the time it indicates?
9:28:08
